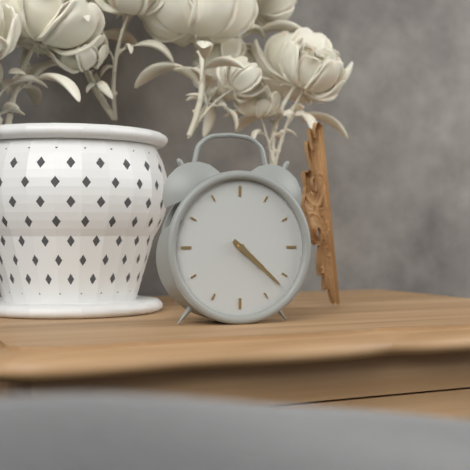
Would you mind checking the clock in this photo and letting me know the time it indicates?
4:22
